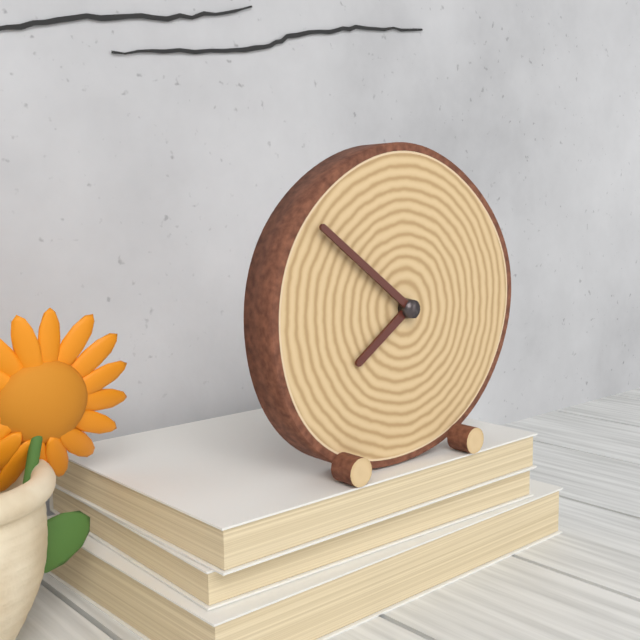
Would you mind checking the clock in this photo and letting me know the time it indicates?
7:51
